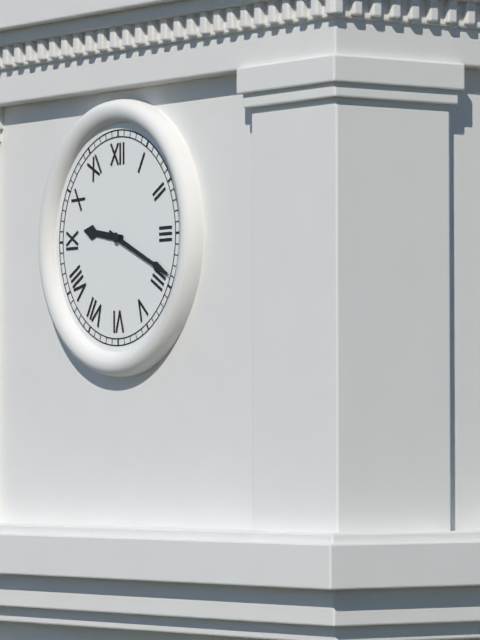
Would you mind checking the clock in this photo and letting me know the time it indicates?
9:19
